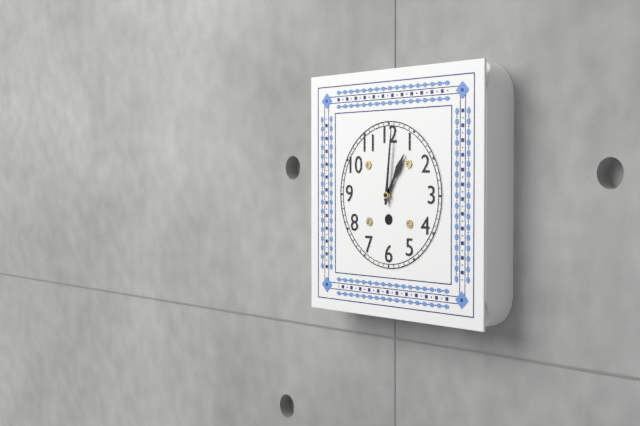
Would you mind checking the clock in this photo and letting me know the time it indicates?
1:01
